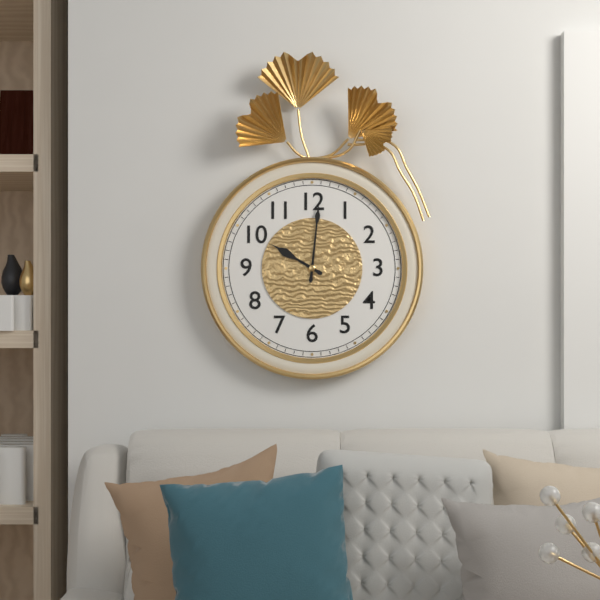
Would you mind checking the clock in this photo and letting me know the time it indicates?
10:01
